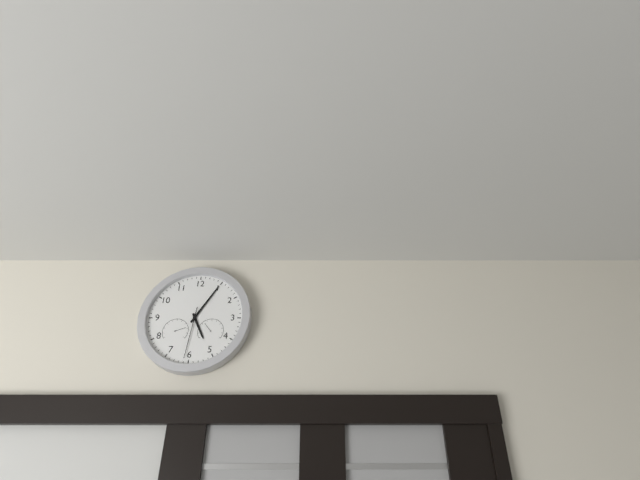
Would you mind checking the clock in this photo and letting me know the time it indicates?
5:05:31
